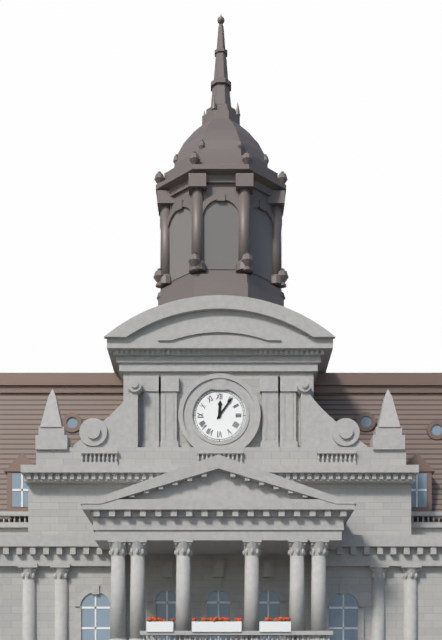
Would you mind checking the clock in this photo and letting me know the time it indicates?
12:06
